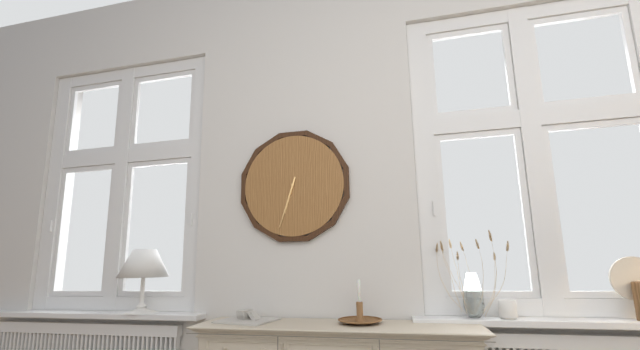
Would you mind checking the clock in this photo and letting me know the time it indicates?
6:33
